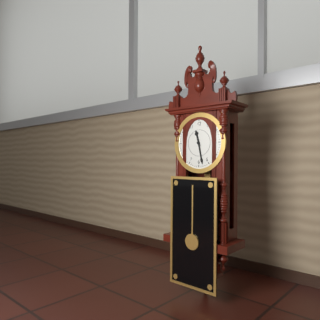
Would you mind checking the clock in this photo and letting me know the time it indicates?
11:28
